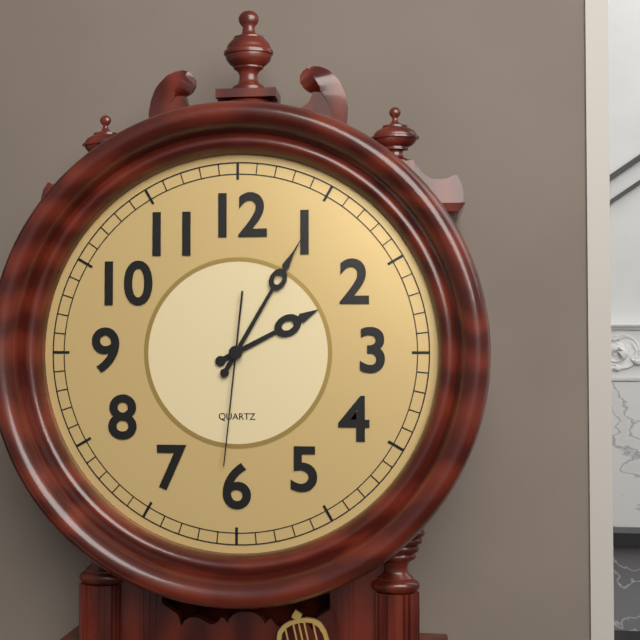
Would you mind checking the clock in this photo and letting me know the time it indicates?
2:05:31
